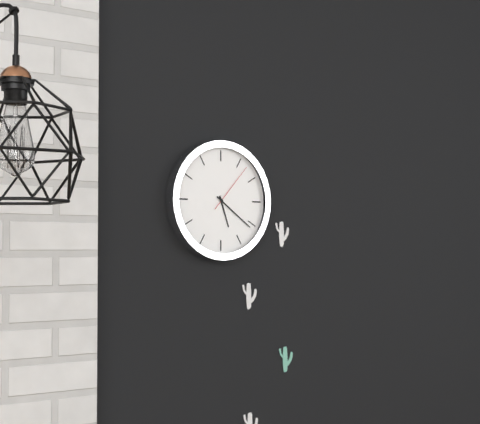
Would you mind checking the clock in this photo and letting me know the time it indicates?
5:21:07
